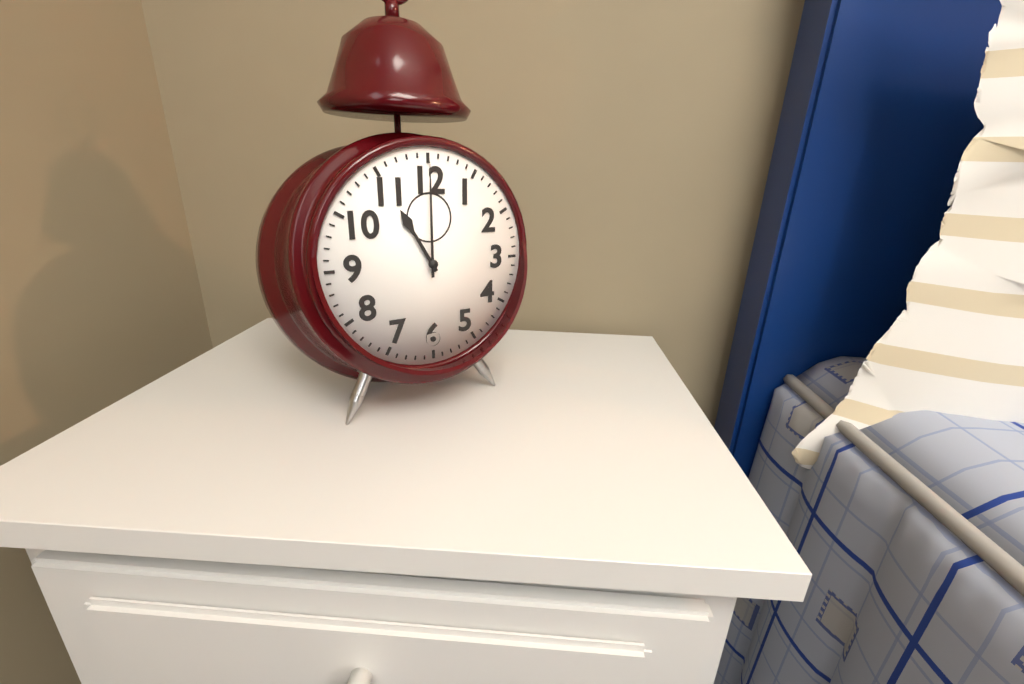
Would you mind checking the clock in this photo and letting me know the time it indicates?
11:00
